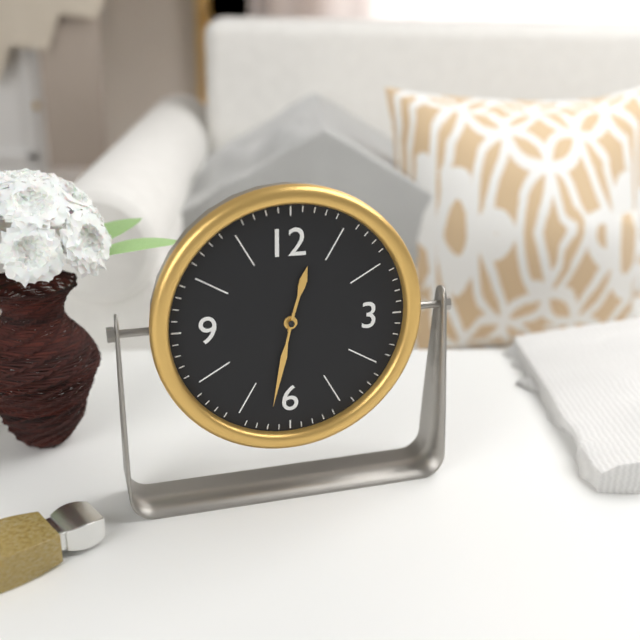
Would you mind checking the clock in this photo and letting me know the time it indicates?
12:32
